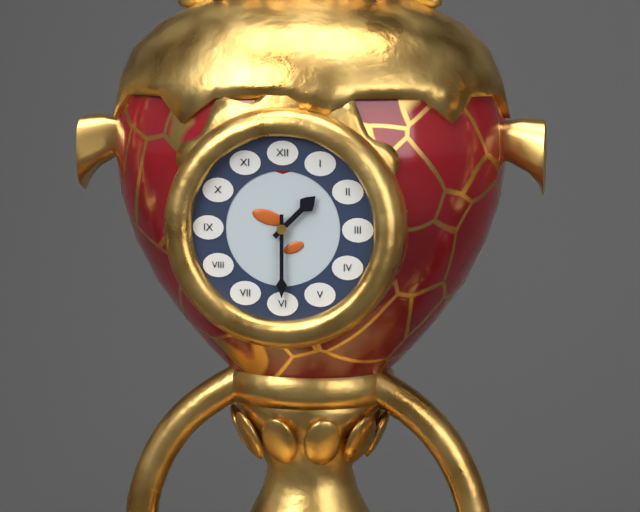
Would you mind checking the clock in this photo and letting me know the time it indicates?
1:30
